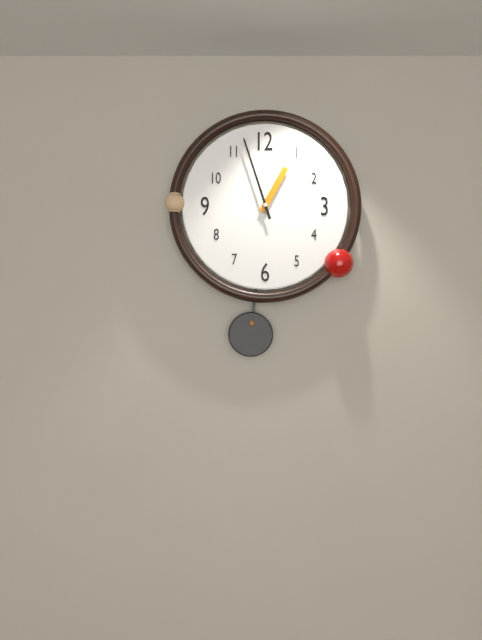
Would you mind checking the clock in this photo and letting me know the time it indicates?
12:57
